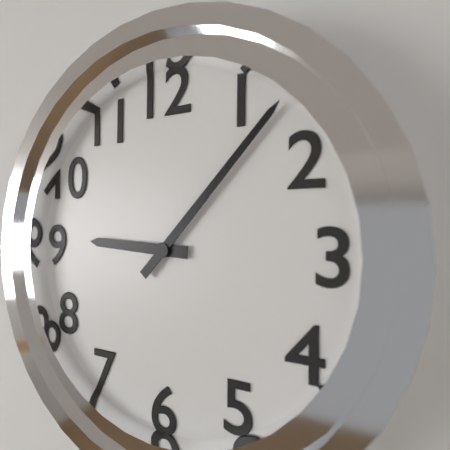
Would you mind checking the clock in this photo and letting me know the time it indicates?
9:07
